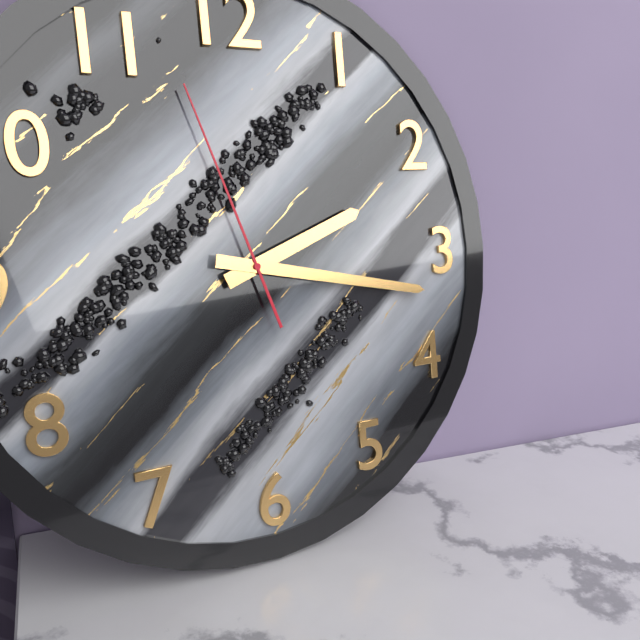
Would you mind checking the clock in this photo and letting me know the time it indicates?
2:17:57
